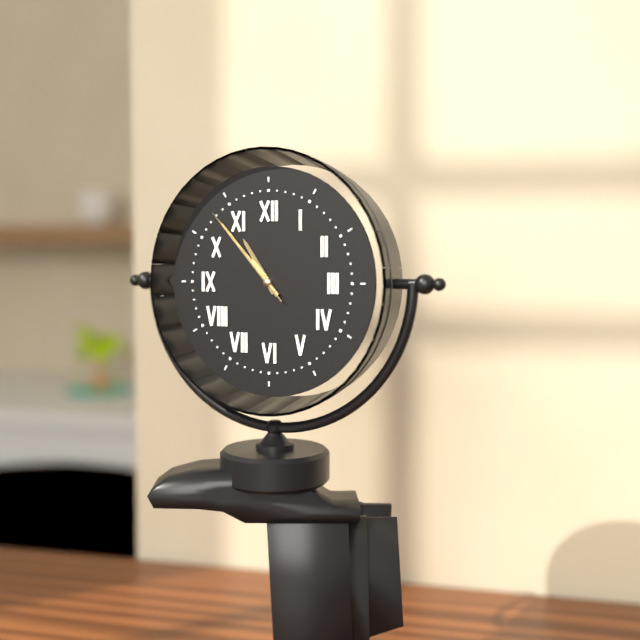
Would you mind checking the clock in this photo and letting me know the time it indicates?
10:53:53
